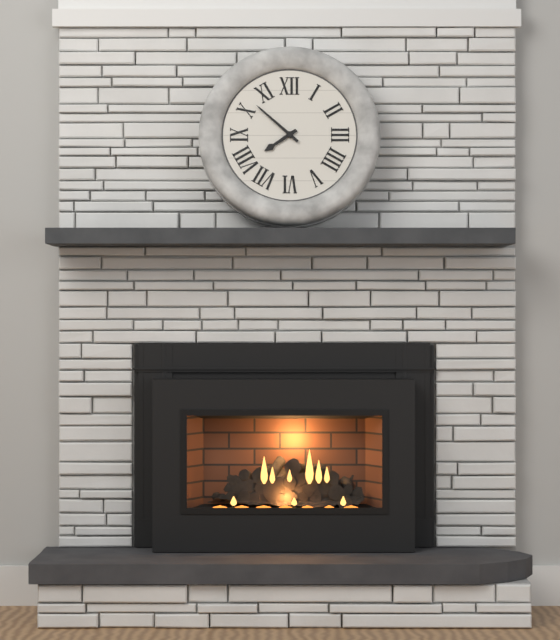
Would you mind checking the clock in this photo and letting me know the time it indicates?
7:52
